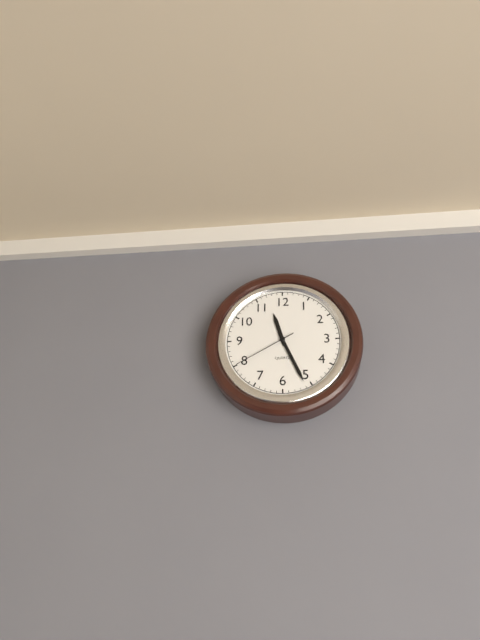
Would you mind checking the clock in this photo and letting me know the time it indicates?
11:26:40
